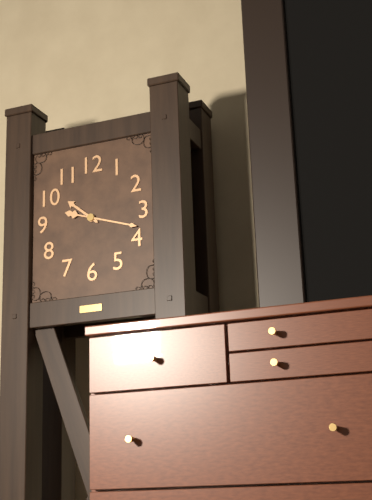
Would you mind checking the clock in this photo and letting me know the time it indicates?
10:18
